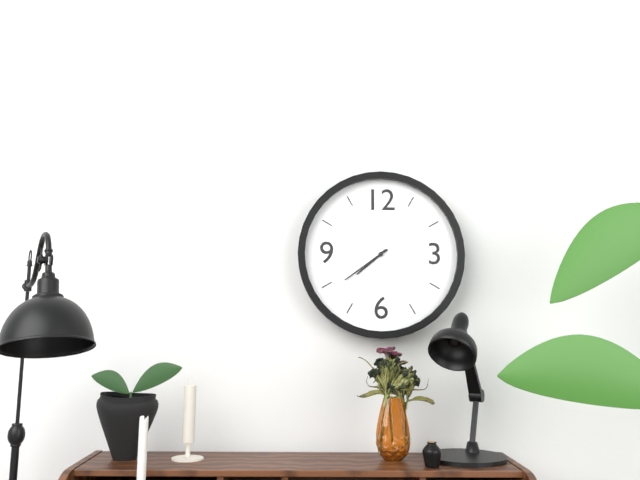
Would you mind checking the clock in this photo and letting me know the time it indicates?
7:39
